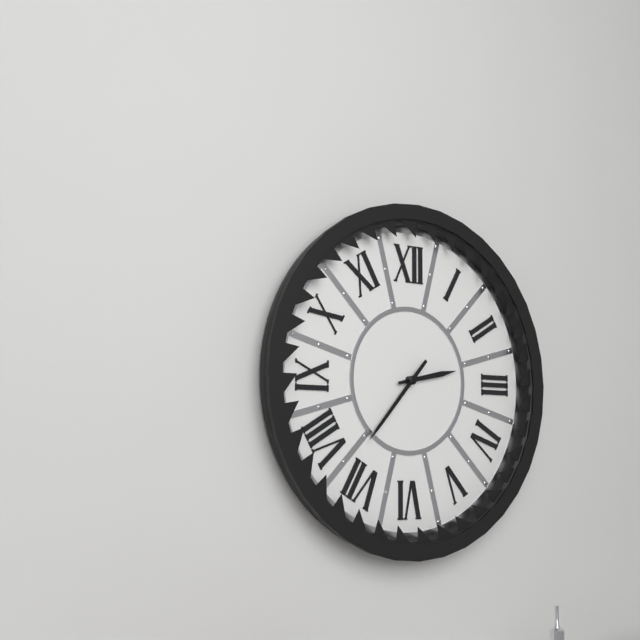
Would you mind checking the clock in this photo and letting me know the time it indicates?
2:37
